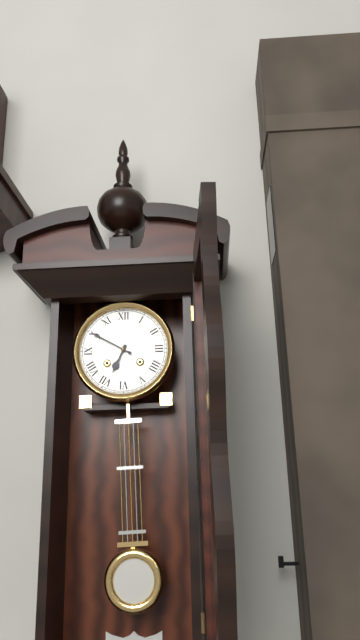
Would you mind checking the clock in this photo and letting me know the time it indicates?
6:50
